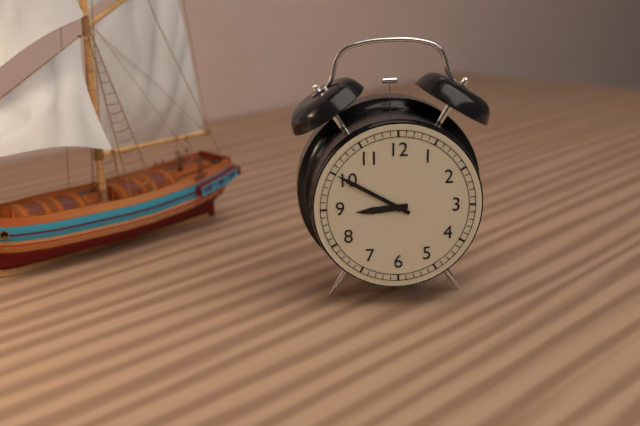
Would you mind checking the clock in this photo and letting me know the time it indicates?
8:50
